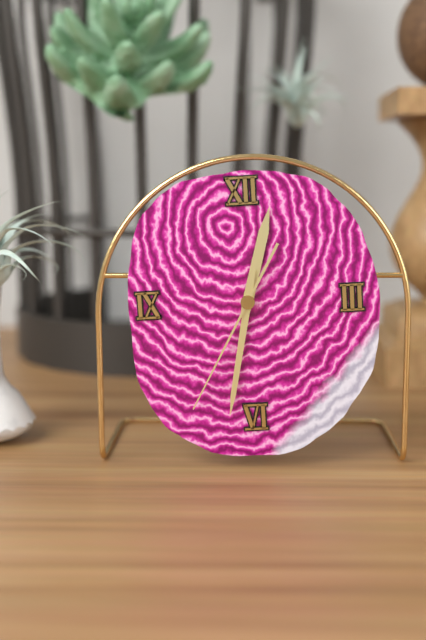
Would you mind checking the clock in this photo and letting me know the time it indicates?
12:32:35
